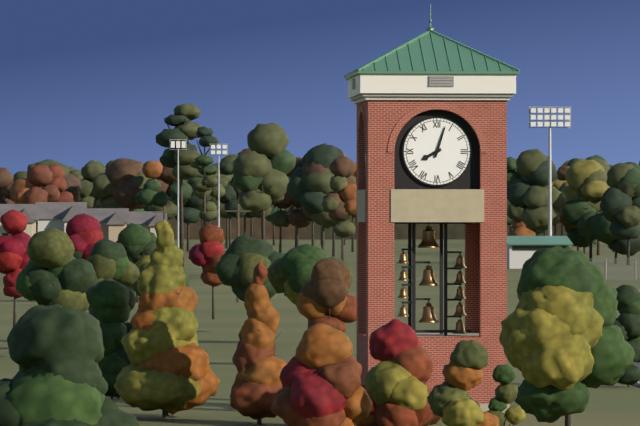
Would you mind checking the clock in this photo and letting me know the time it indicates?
8:03
